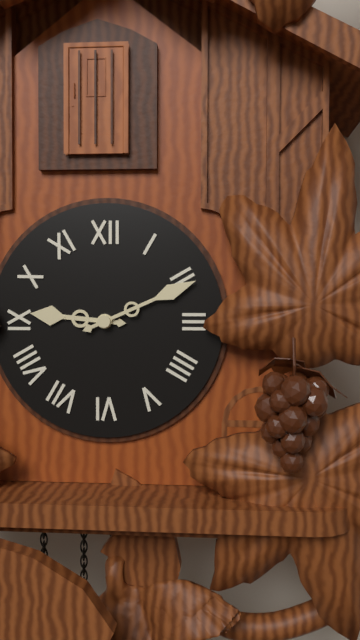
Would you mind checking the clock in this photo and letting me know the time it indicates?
9:11
